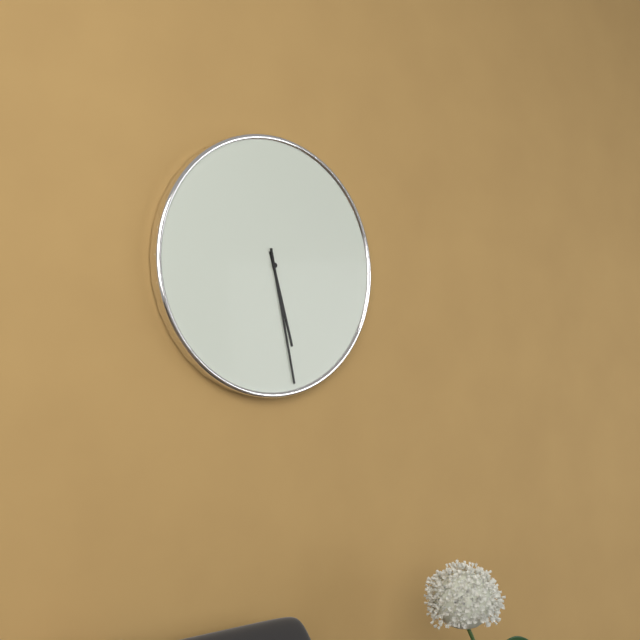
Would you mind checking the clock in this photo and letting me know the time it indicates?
5:28
